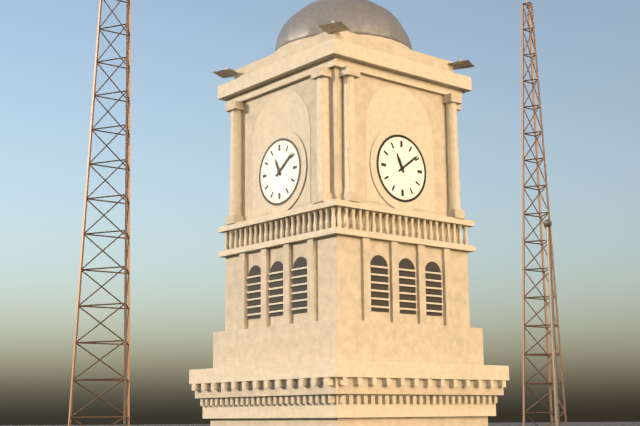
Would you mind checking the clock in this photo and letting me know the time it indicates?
11:09
